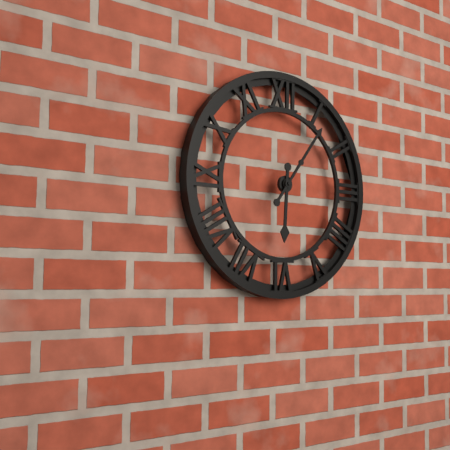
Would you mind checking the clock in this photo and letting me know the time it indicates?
6:06
